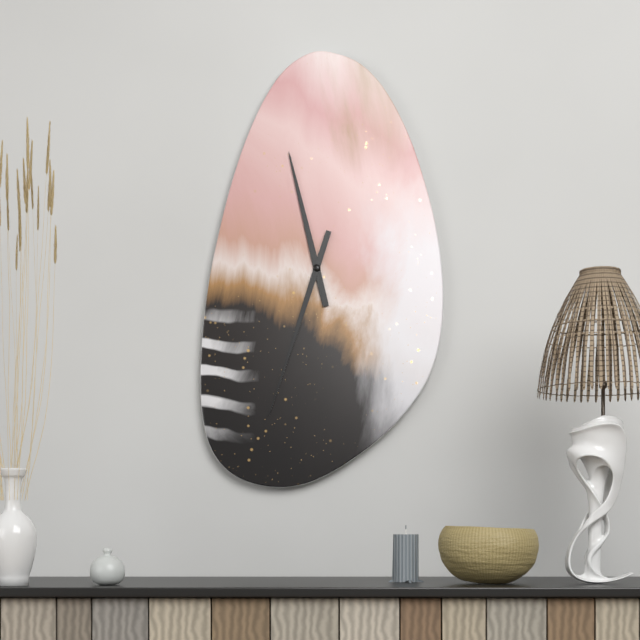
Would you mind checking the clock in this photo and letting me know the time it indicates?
11:33
